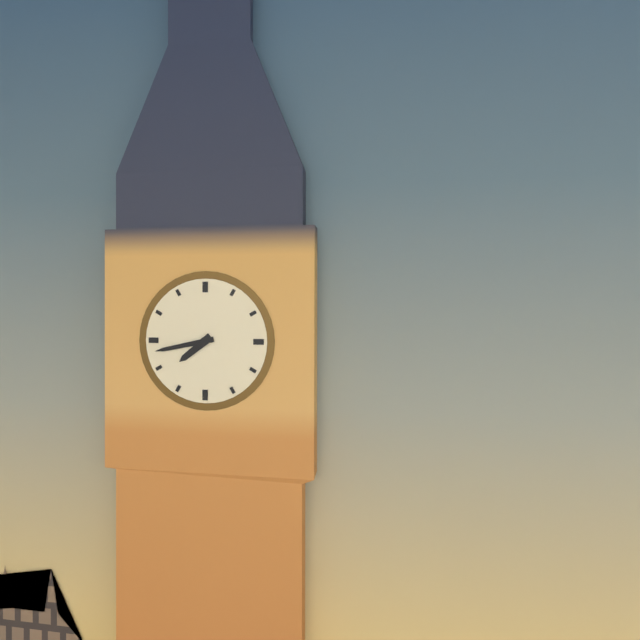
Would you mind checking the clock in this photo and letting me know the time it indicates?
7:43
